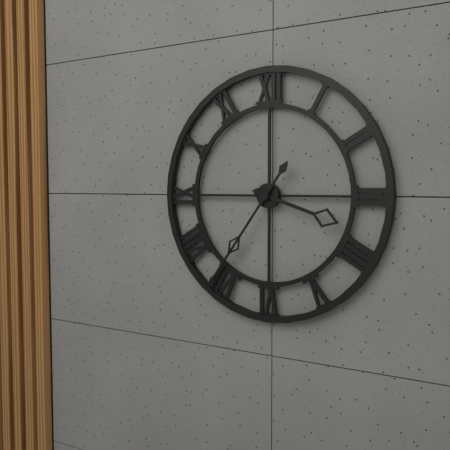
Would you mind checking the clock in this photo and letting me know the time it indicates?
3:36
